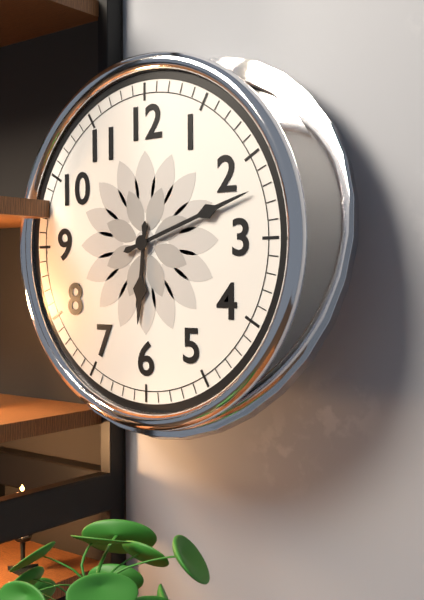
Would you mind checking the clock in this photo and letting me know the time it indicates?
6:12
